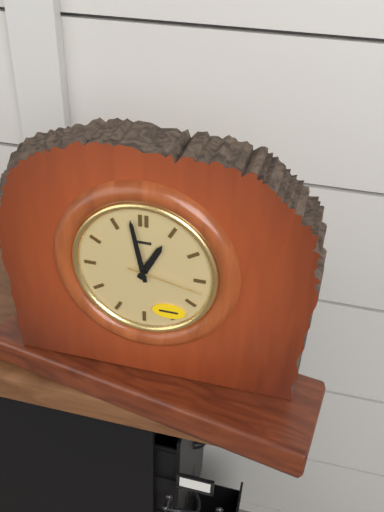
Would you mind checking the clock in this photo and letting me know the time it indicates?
12:58:17
